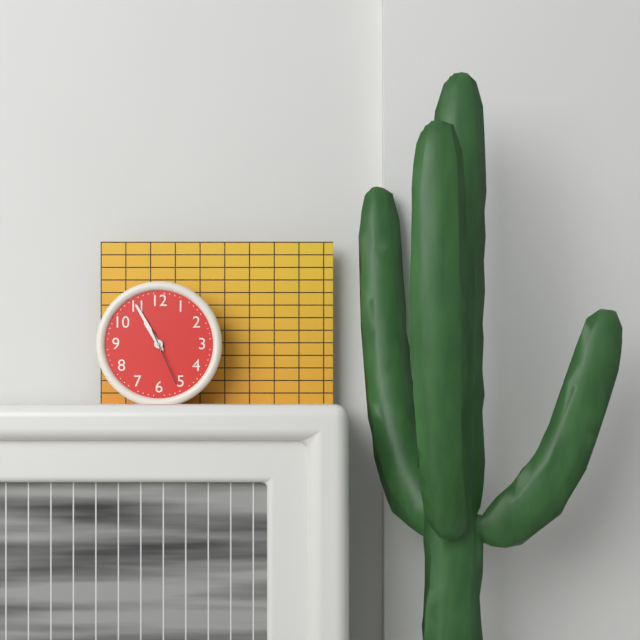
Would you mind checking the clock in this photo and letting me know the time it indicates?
10:55:26
